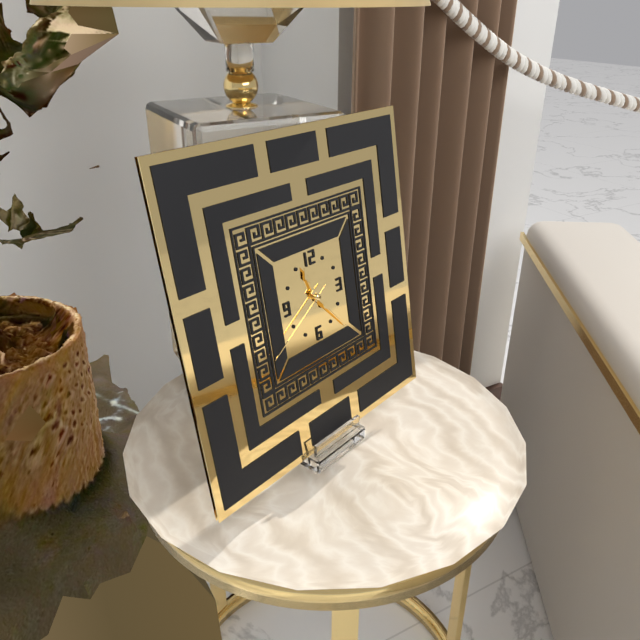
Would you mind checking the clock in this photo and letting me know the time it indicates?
11:23:40
